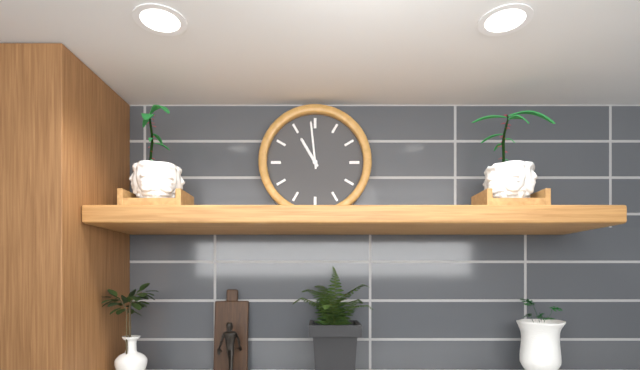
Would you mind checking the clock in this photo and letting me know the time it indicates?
10:59
